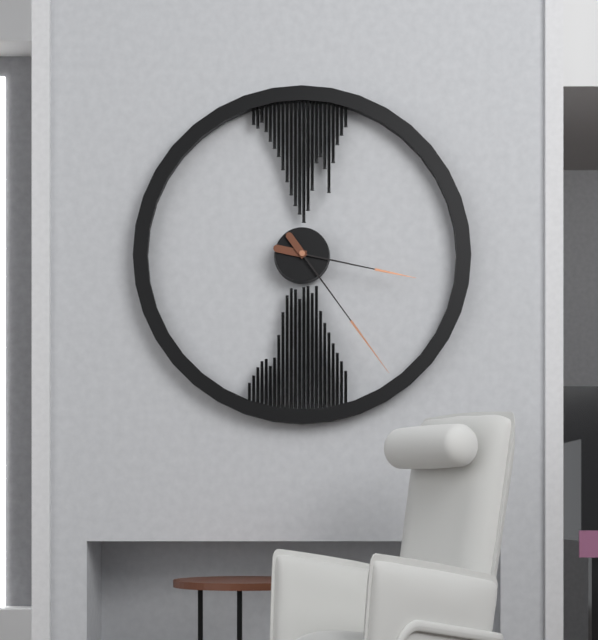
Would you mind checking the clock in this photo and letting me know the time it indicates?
3:24
